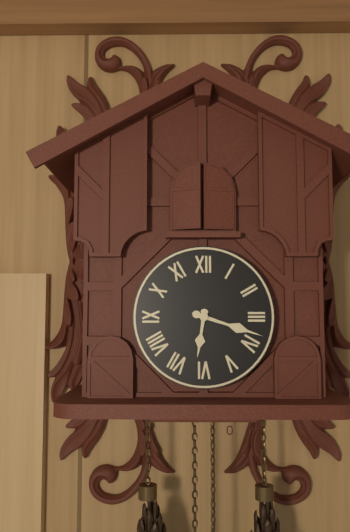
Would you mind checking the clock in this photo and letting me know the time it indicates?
6:18
